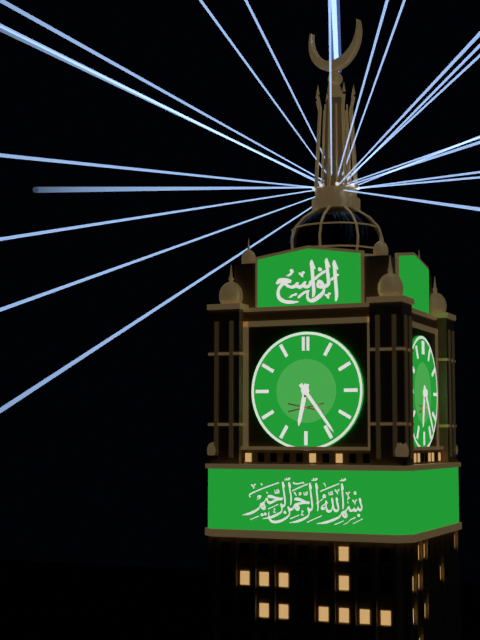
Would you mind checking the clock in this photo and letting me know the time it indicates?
6:24
